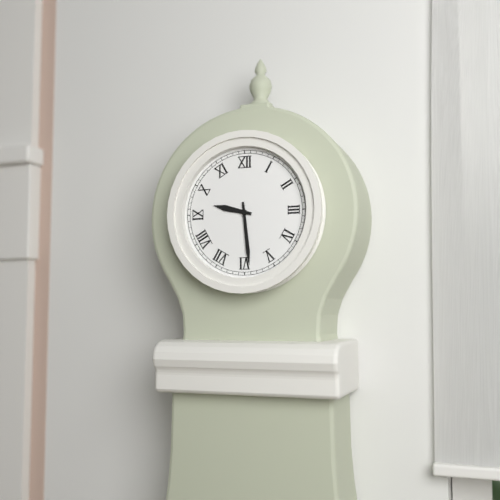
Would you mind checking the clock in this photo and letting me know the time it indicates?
9:29
